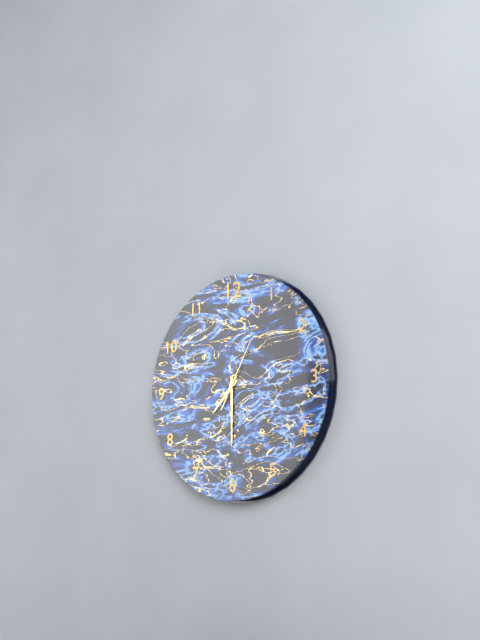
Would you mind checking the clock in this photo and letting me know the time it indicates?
7:30:05
